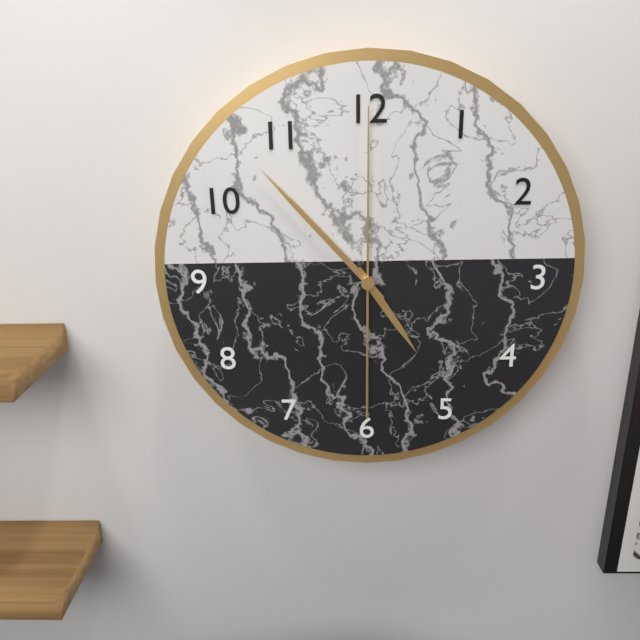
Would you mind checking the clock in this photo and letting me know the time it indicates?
4:53:00
